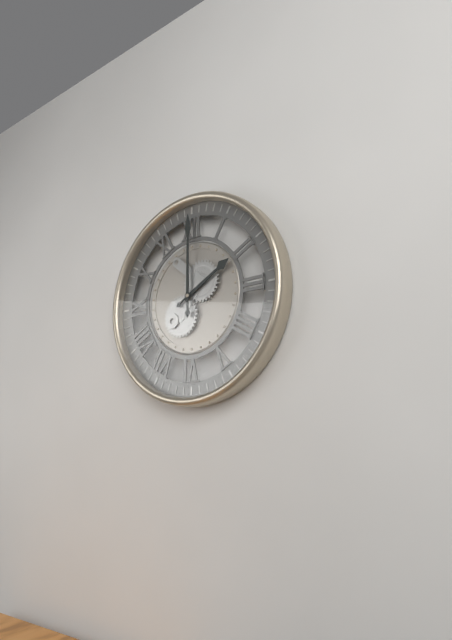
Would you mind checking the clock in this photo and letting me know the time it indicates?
2:00
